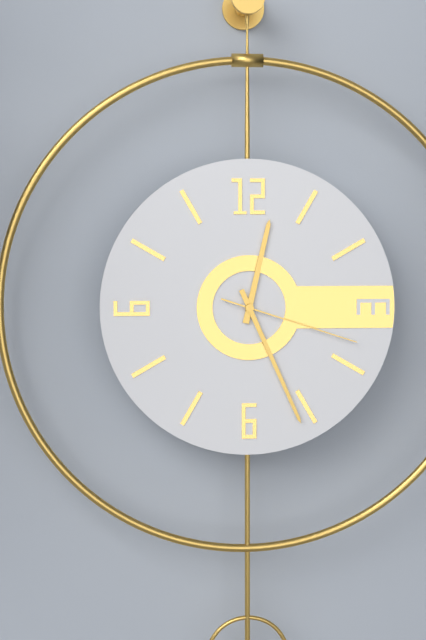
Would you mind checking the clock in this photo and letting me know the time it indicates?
12:26:18
